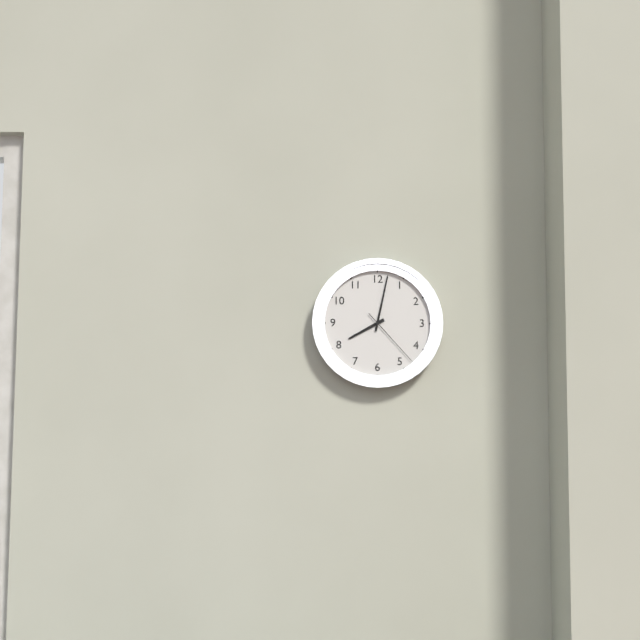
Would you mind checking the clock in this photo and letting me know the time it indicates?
8:02:23
